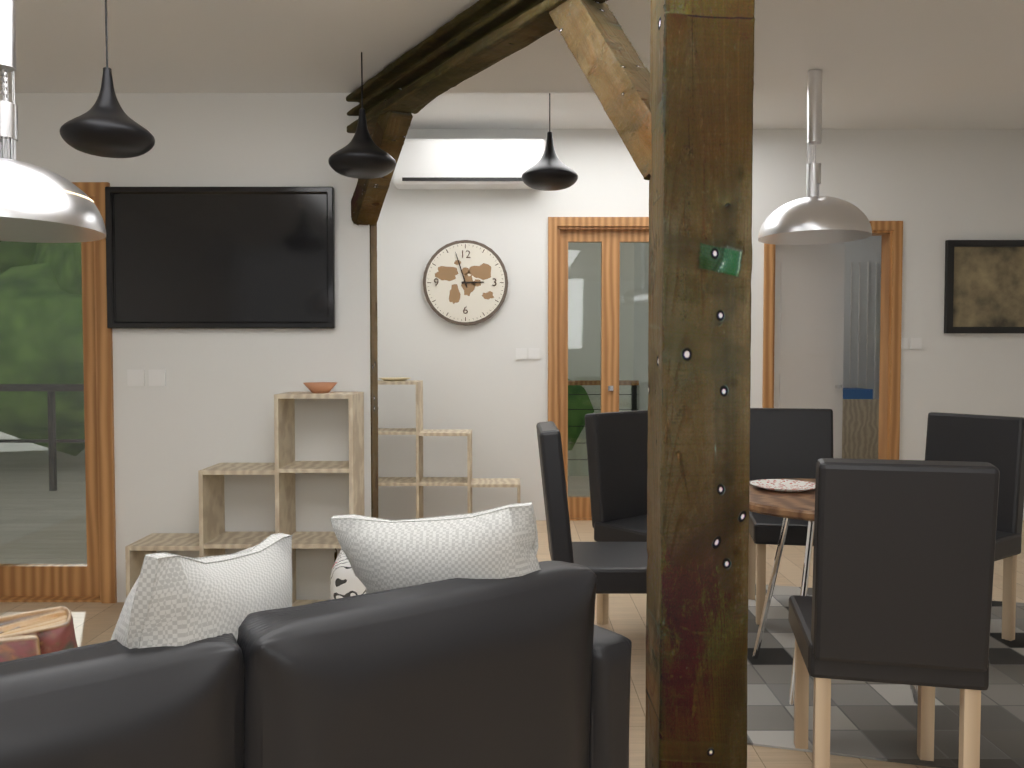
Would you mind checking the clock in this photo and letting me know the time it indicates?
2:57
